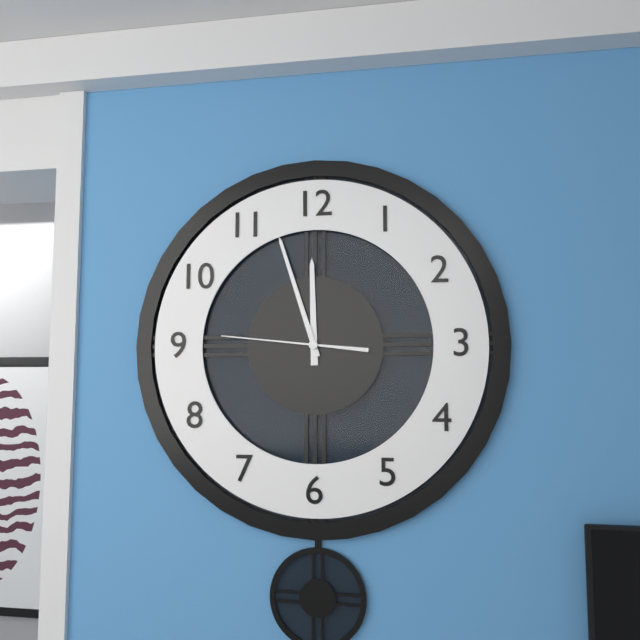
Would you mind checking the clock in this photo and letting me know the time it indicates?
11:57:46
